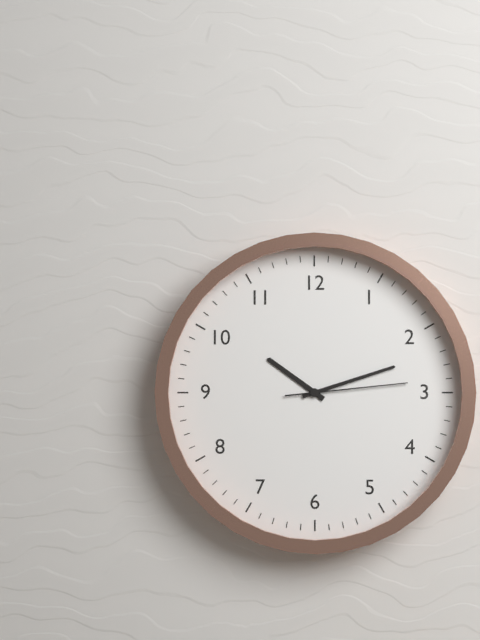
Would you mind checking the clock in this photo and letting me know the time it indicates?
10:12:14
